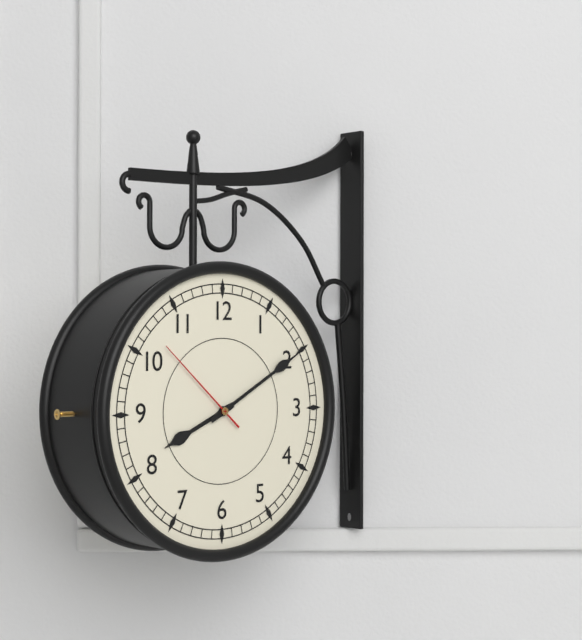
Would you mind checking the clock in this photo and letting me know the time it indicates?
8:10:52
